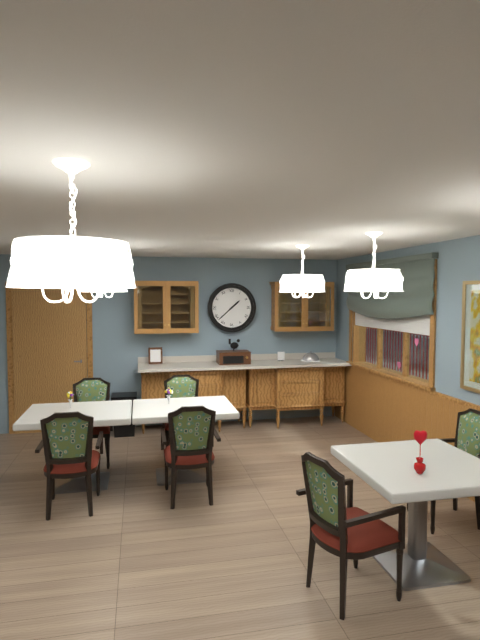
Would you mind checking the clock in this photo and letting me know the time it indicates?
1:38
